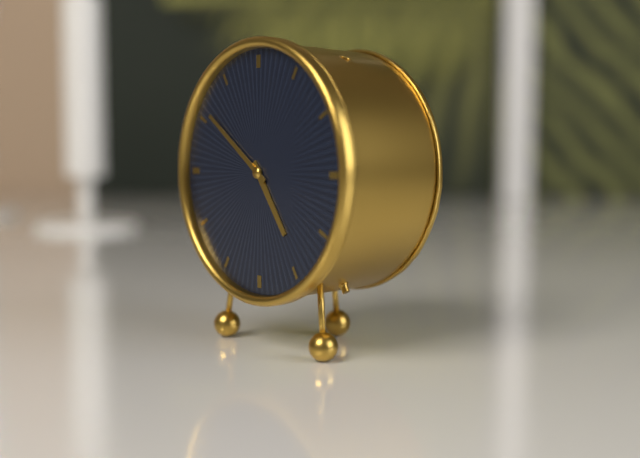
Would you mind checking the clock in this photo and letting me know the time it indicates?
4:51
